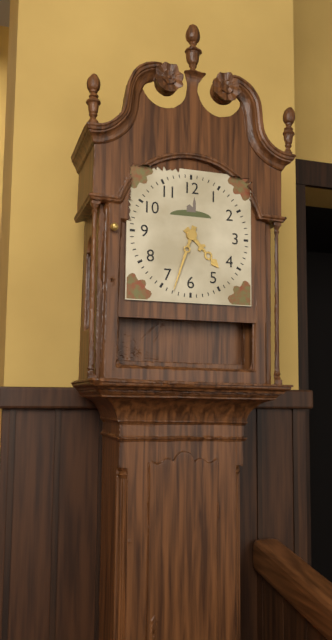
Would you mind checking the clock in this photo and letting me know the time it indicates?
4:33
